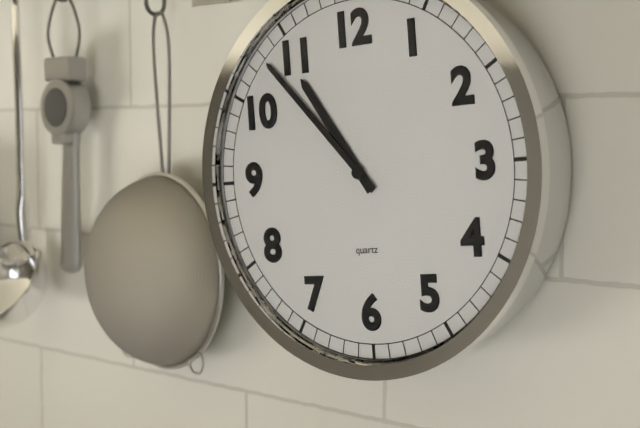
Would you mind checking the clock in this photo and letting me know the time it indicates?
10:53
